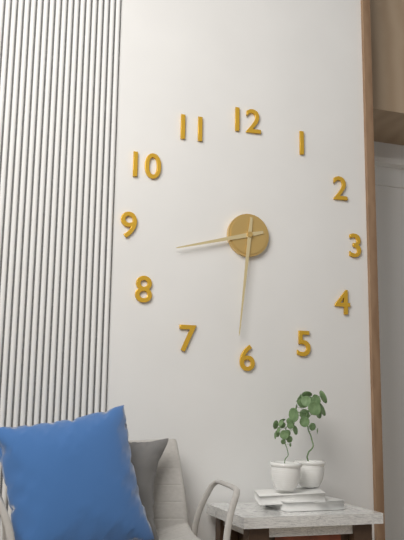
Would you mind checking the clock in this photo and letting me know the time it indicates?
8:31
